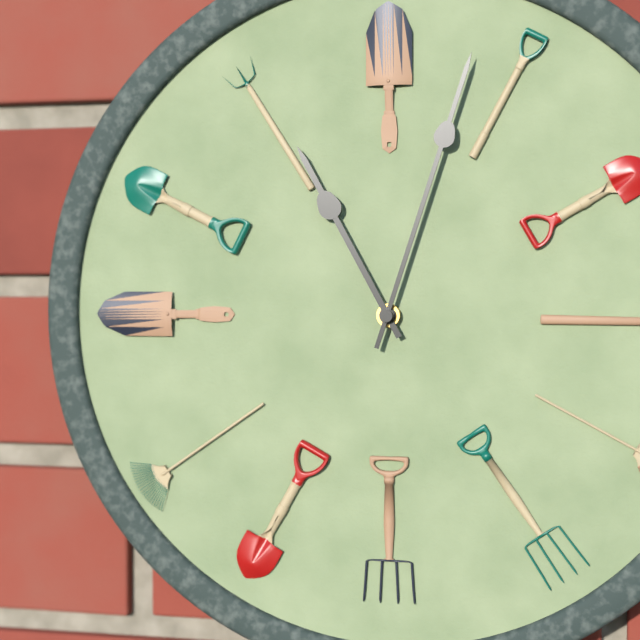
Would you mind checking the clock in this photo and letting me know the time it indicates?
11:03
